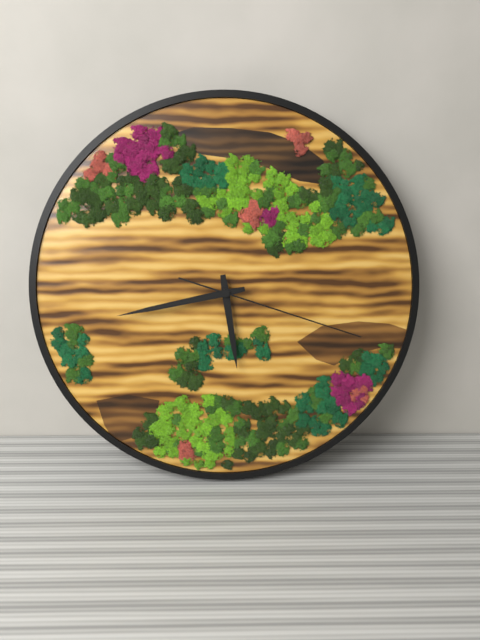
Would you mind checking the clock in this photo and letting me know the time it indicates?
5:43:18
